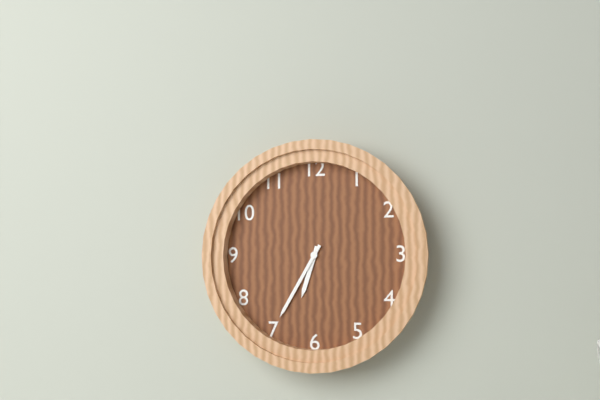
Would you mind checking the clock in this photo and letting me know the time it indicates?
6:35
